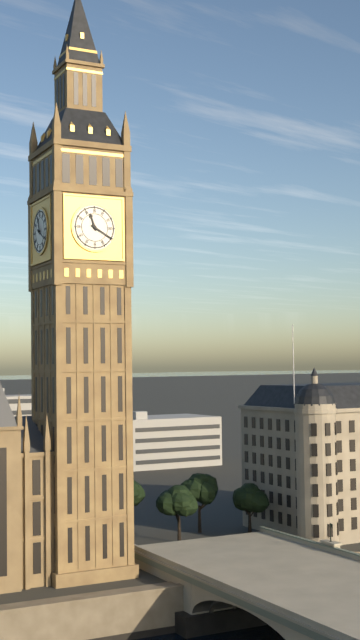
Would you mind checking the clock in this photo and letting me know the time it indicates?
11:20
